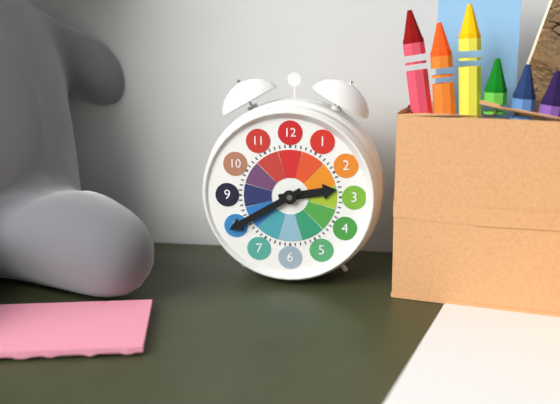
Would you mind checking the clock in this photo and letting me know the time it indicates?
2:40
